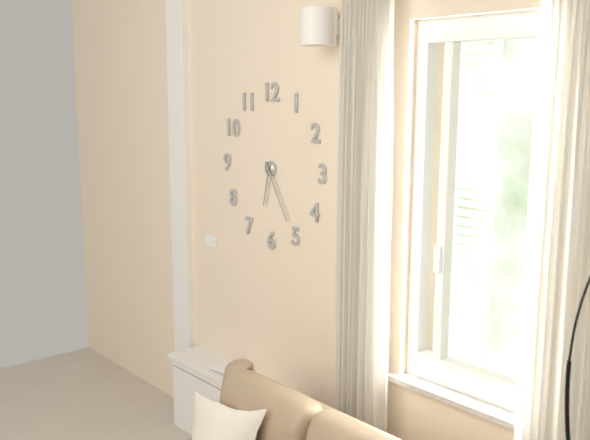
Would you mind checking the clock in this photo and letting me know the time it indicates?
6:25
